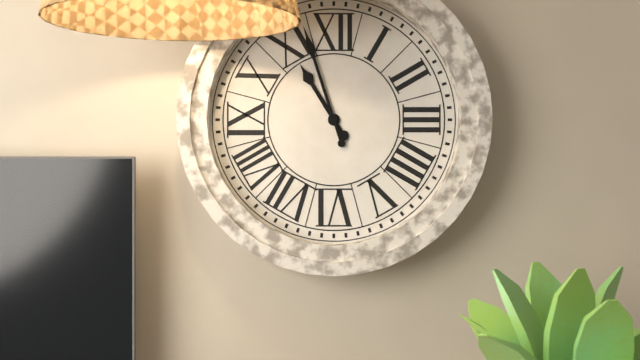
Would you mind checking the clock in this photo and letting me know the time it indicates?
10:57
